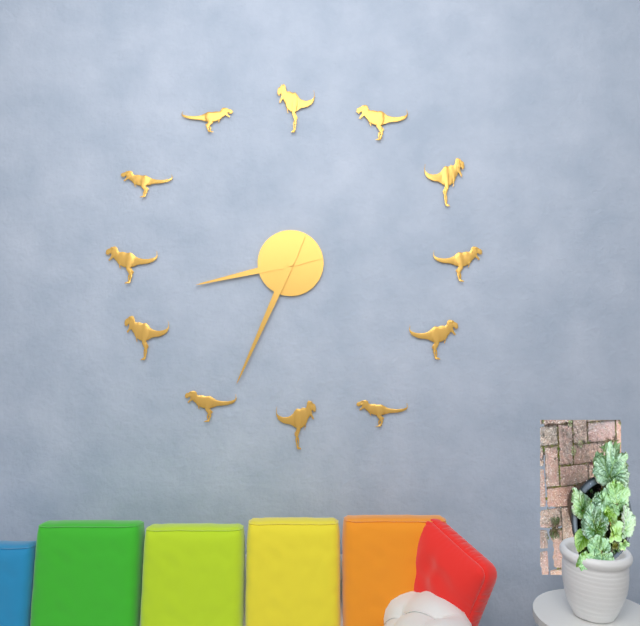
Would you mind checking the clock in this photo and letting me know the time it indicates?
8:34
